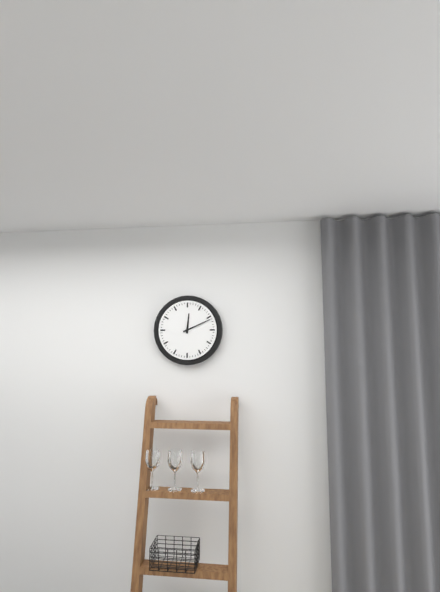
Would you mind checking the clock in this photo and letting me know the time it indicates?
12:11
